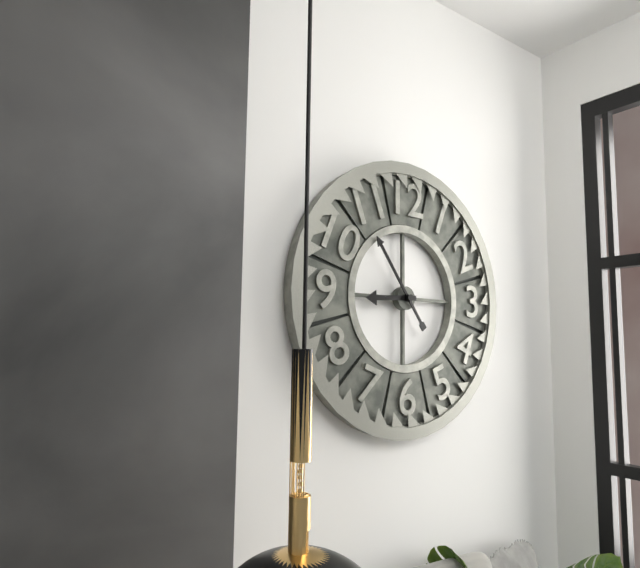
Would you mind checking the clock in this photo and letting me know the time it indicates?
8:54
